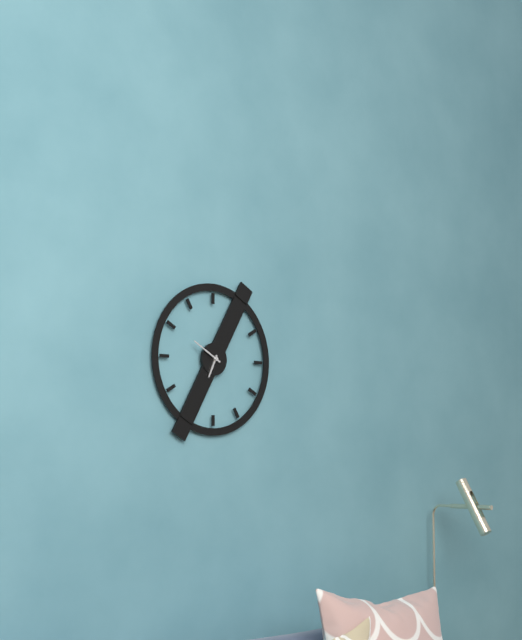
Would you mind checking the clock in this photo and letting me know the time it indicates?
6:50
